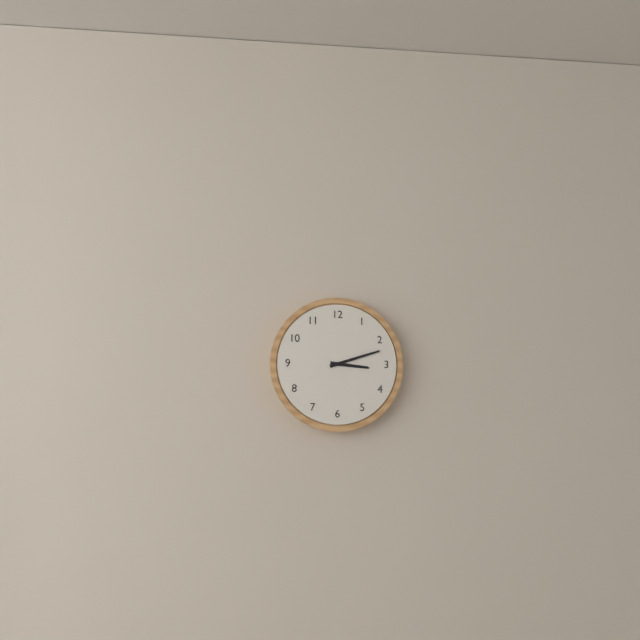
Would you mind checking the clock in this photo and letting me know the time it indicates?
3:12
